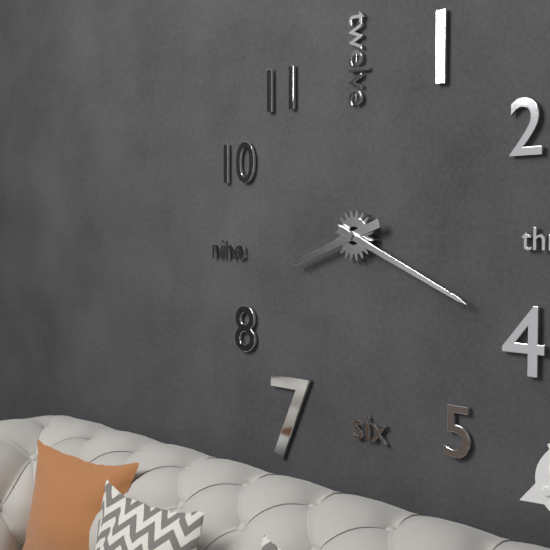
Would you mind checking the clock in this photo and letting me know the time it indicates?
8:19
